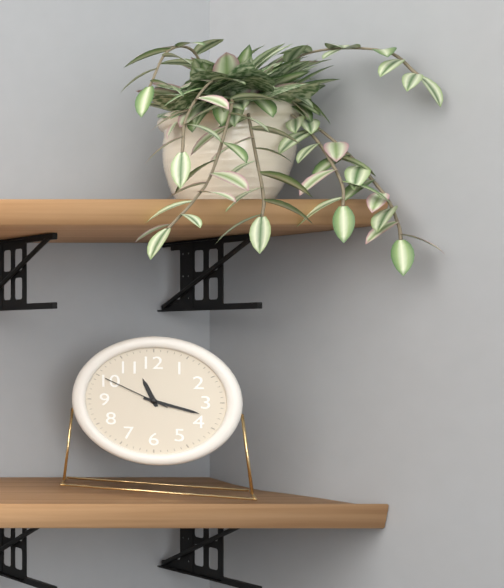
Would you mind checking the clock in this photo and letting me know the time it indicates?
11:18:50
